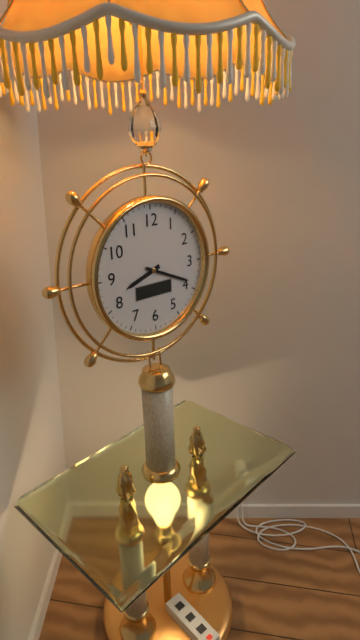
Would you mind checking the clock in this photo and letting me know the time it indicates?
8:19
